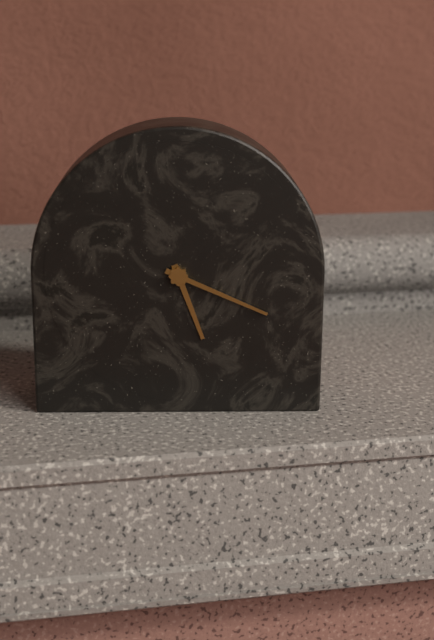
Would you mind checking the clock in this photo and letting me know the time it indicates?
5:19
